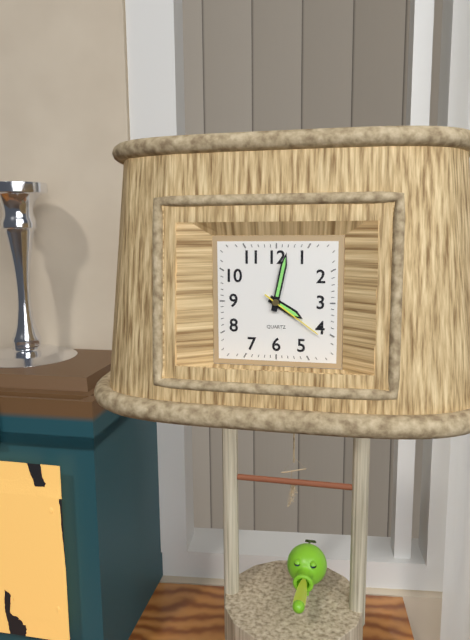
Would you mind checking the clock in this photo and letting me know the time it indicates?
4:02:21
